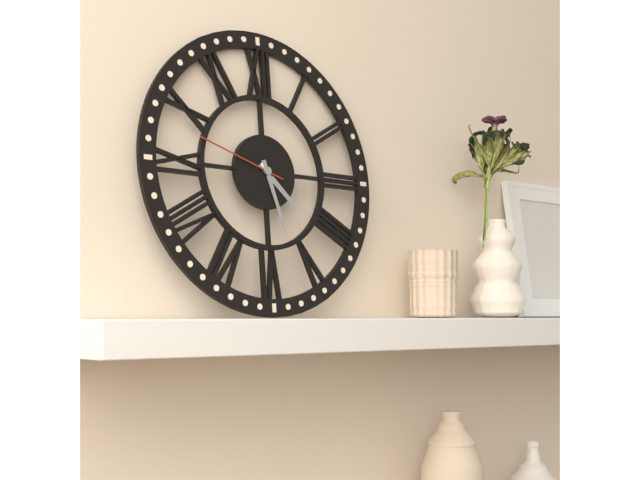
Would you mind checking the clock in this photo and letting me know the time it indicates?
4:27:48
